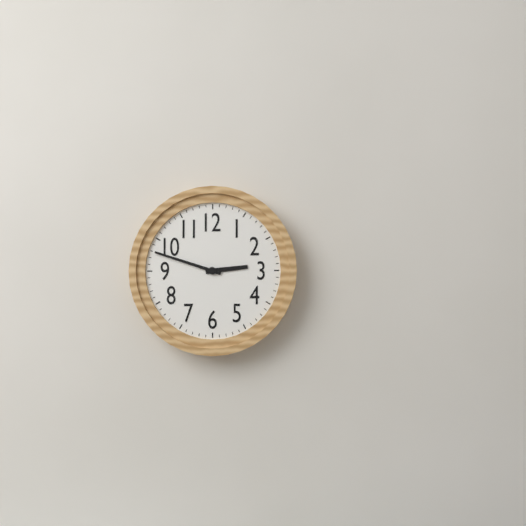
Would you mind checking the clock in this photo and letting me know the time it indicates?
2:48
